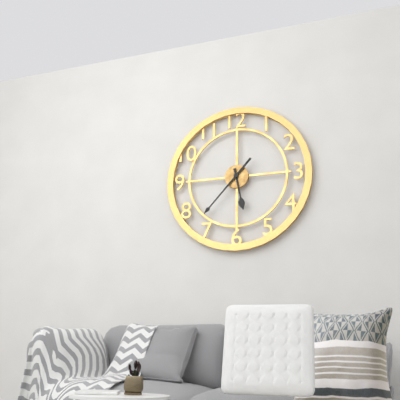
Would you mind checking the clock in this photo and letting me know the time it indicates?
5:37
